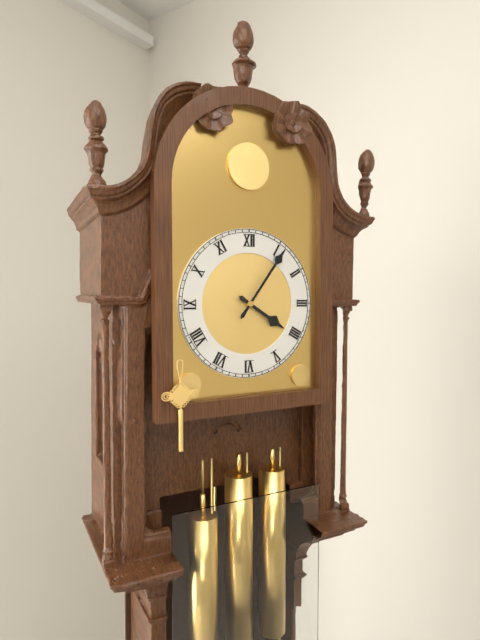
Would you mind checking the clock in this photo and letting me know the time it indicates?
4:06
